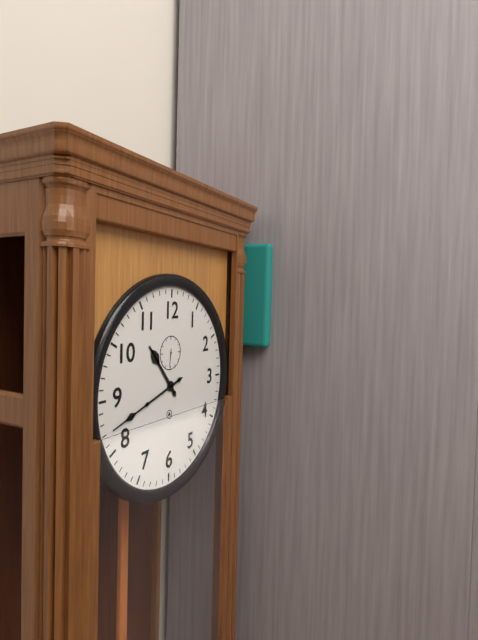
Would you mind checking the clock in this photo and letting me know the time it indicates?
10:42
